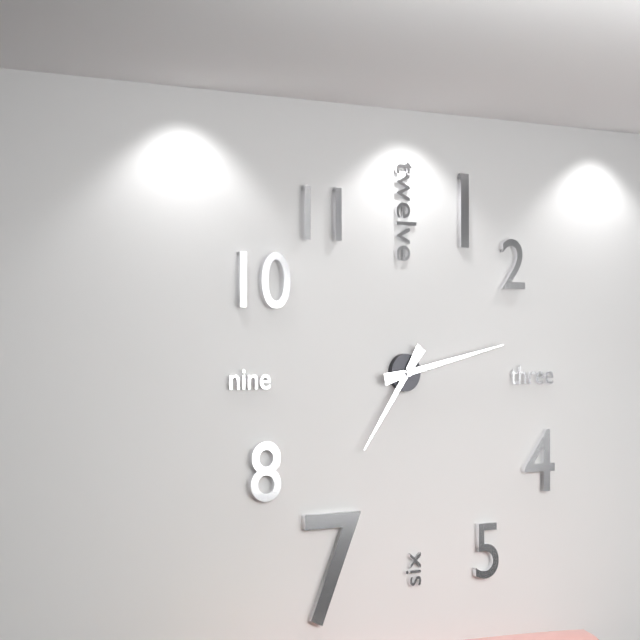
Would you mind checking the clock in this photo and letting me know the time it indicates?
7:13
